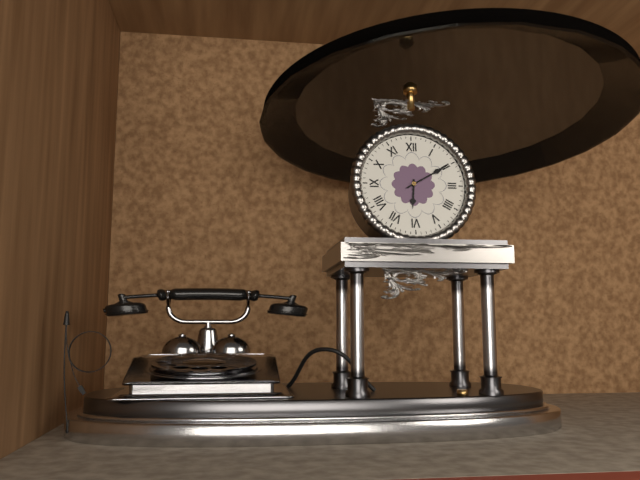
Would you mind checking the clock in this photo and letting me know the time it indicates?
6:10
